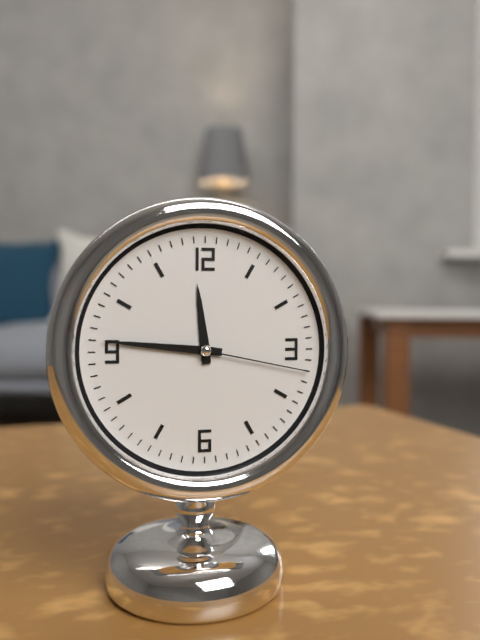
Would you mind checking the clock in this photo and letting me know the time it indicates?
11:46:17
